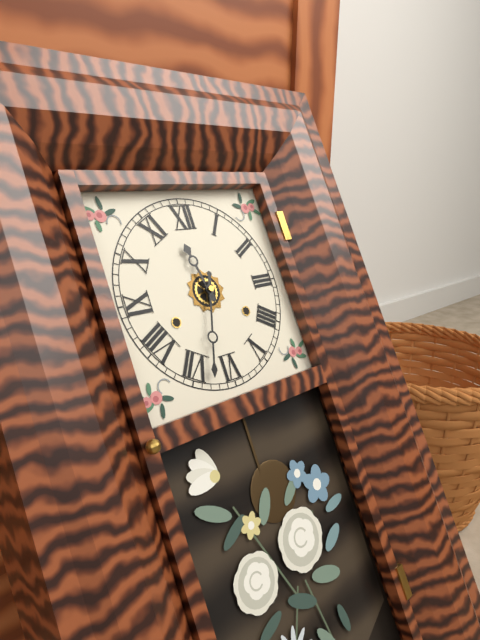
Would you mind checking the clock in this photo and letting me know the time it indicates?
11:33
